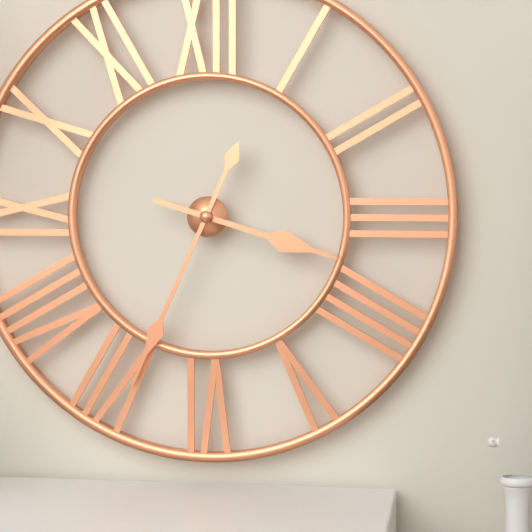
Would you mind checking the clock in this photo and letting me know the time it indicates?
3:34
